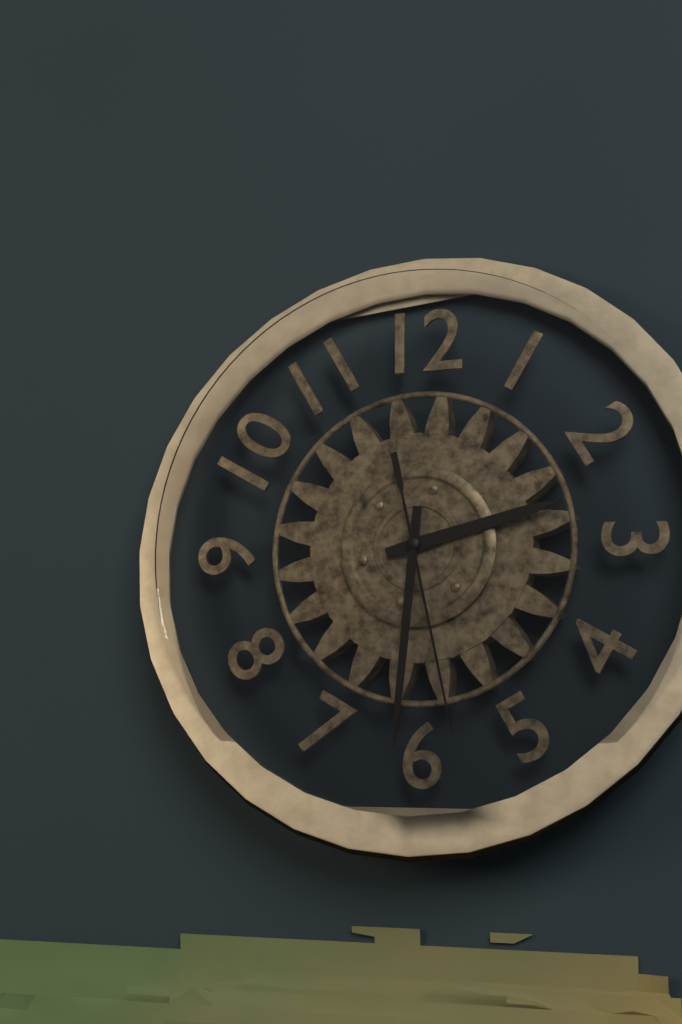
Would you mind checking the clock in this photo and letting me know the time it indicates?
2:31:28
